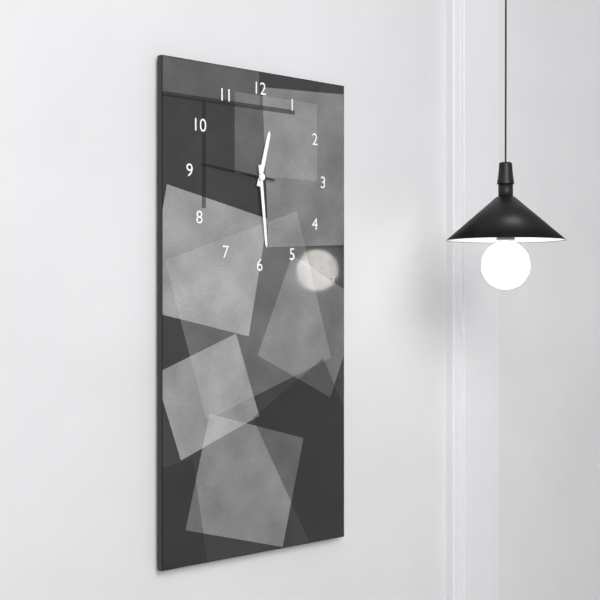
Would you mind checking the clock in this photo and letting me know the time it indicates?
12:29:46
